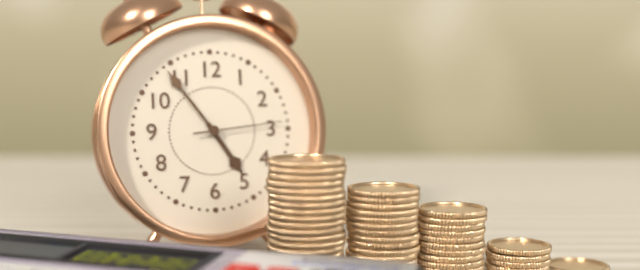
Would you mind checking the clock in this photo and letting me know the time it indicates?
4:54:14
